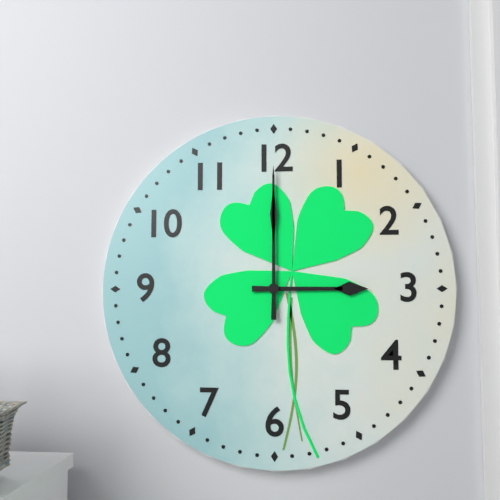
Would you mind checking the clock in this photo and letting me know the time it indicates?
3:00
